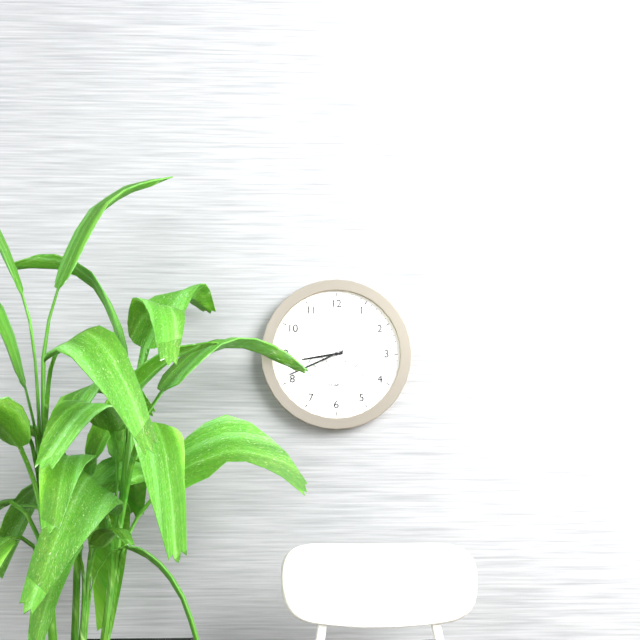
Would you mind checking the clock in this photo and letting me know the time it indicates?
8:41:40
